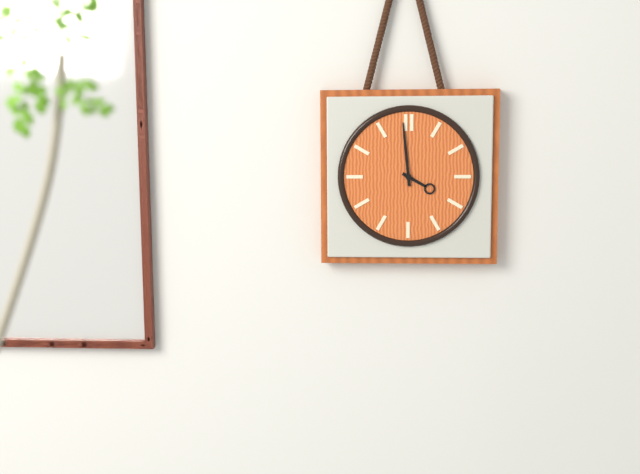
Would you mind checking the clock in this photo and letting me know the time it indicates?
3:59
